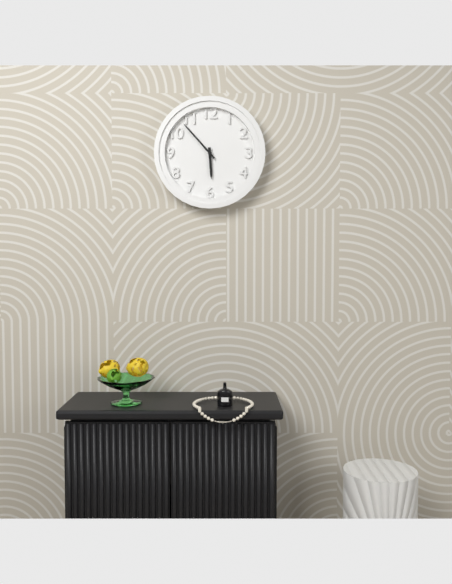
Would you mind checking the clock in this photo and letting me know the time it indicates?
5:53
